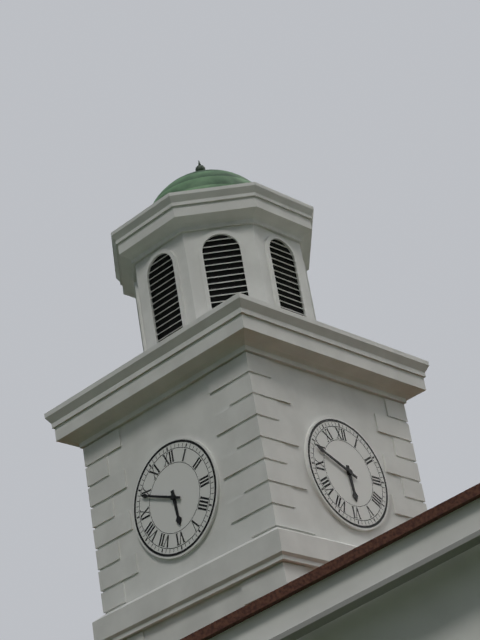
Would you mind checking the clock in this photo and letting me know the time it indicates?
5:49
